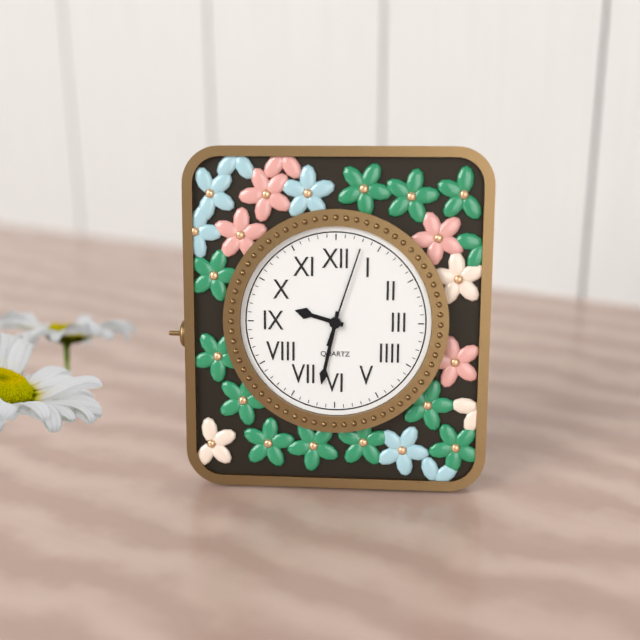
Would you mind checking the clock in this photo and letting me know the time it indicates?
9:32:03
